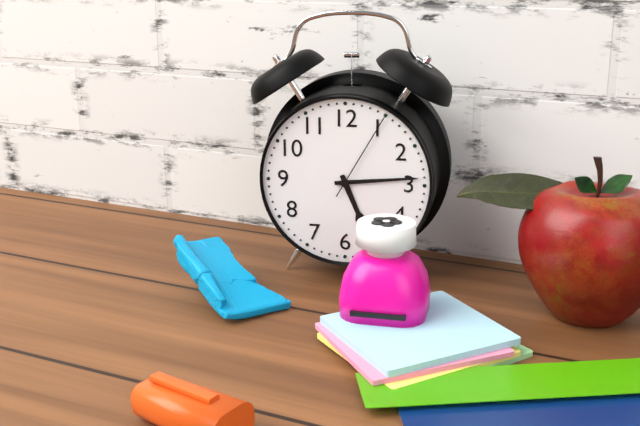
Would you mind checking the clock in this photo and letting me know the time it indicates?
5:14:05
